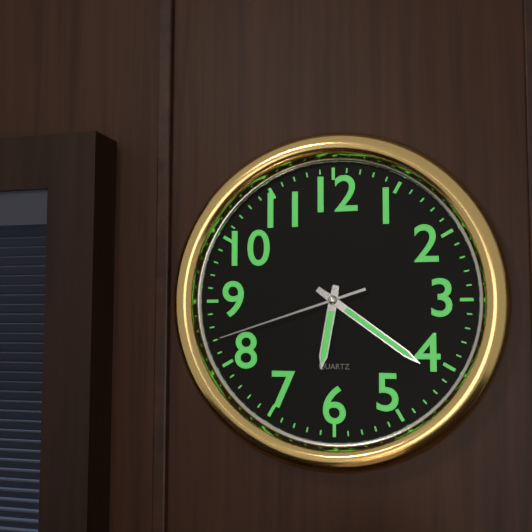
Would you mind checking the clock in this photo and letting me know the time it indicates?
6:21:42
